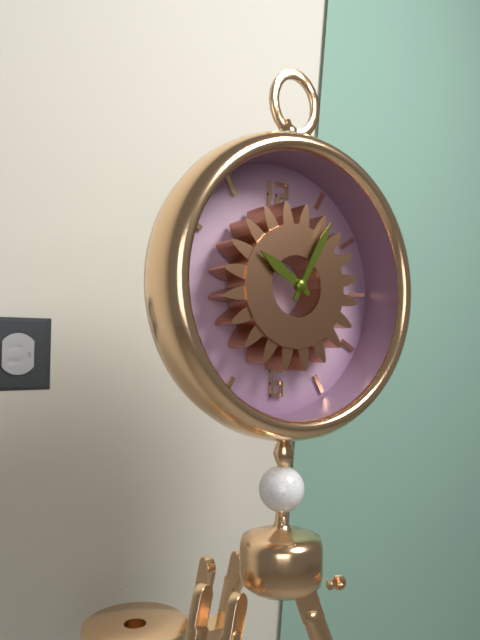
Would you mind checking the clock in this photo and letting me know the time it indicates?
10:05
